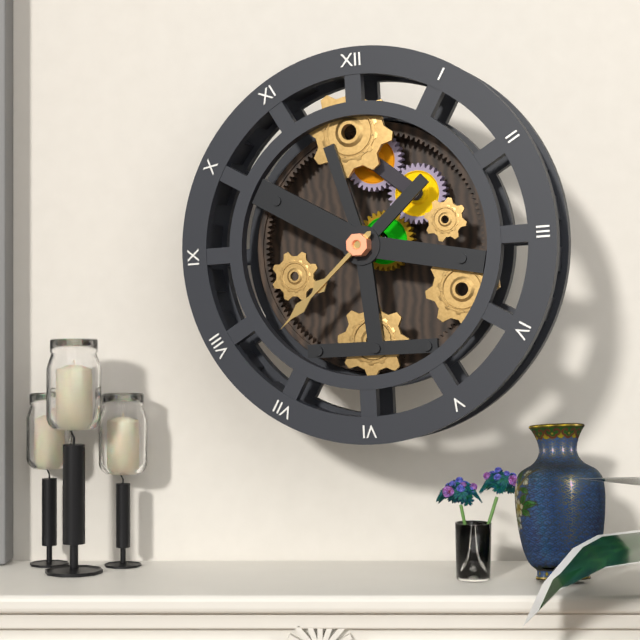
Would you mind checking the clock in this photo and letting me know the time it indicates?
7:38
